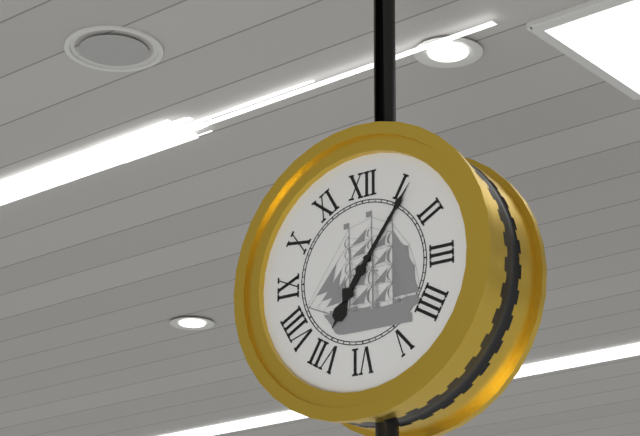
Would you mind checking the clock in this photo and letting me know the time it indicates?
7:06
